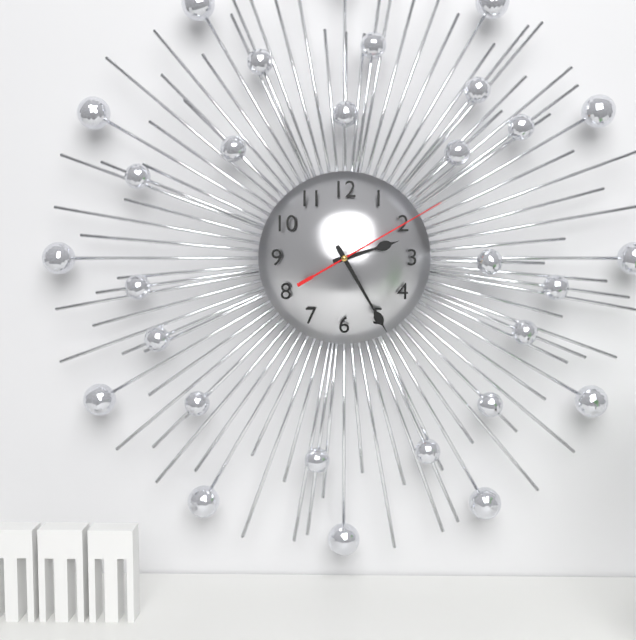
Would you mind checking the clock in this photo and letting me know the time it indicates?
2:25:10
